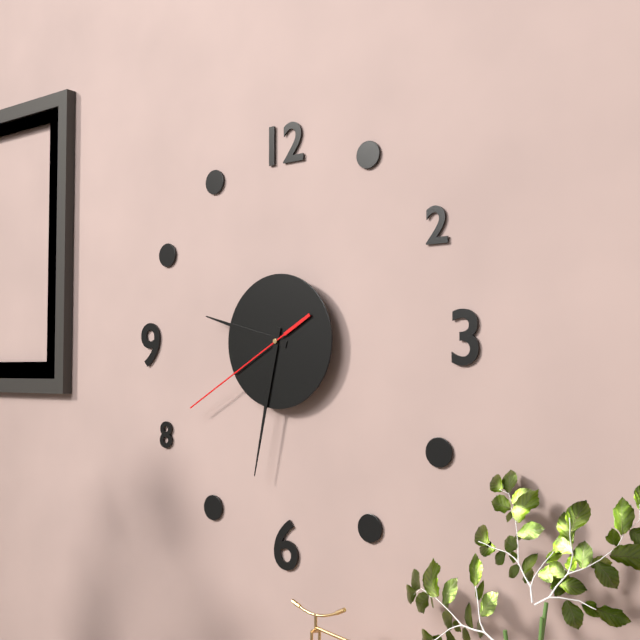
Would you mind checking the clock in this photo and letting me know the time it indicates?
9:32:40
